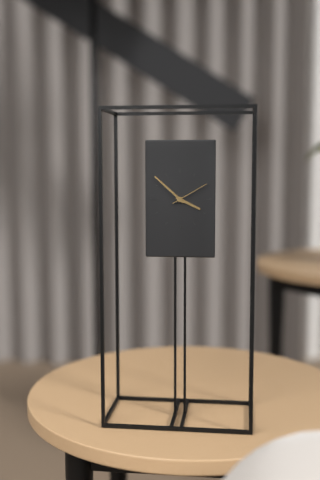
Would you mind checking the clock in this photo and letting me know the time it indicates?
3:52
